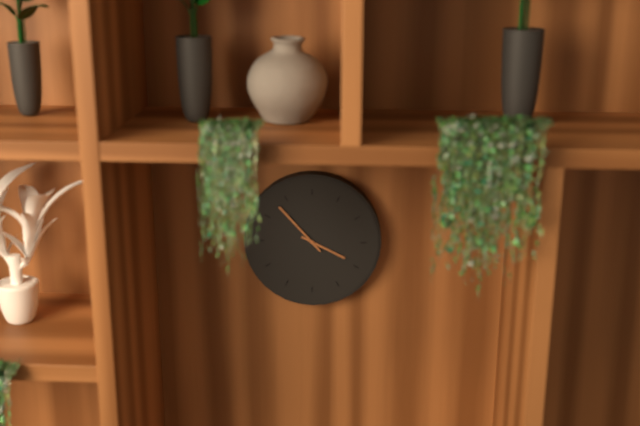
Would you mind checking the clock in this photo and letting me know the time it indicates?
3:53
